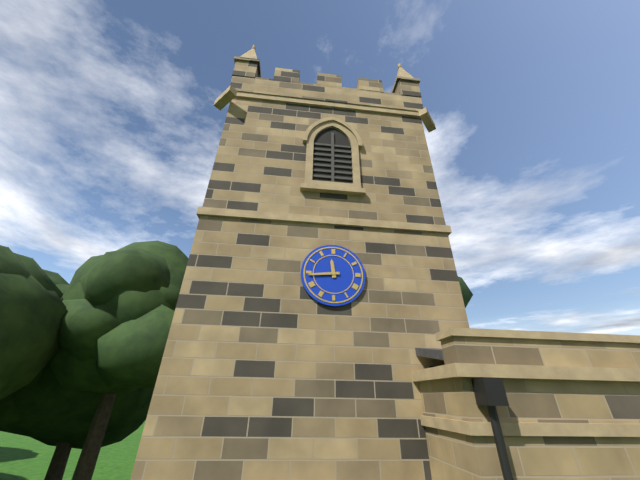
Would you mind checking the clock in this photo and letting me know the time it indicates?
11:44
